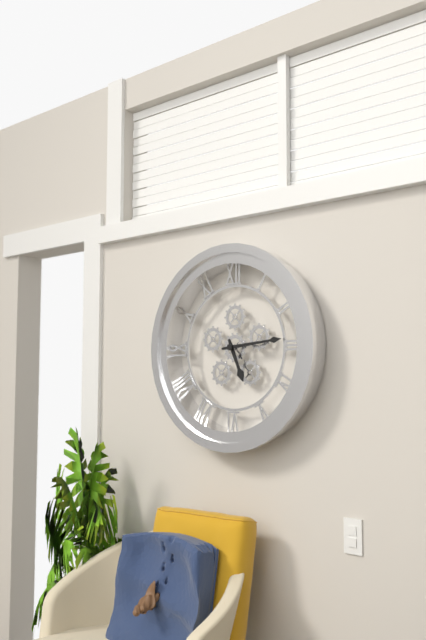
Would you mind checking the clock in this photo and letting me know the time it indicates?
5:14
